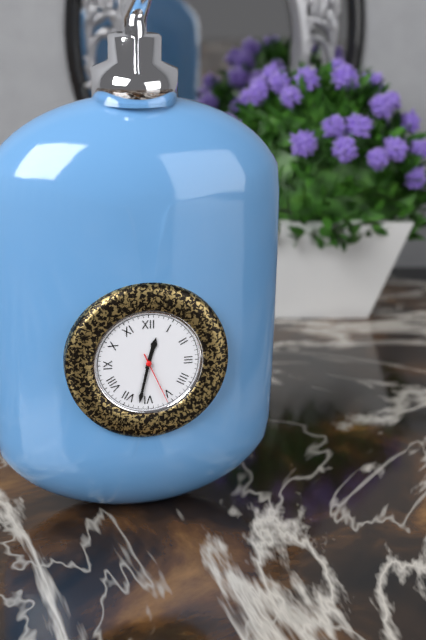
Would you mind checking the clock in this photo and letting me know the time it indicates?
12:32:26
